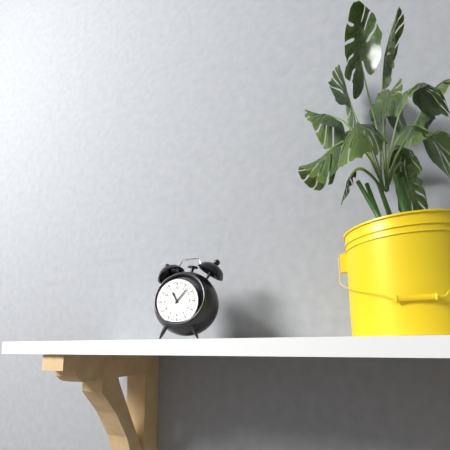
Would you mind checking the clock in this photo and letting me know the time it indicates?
11:07
